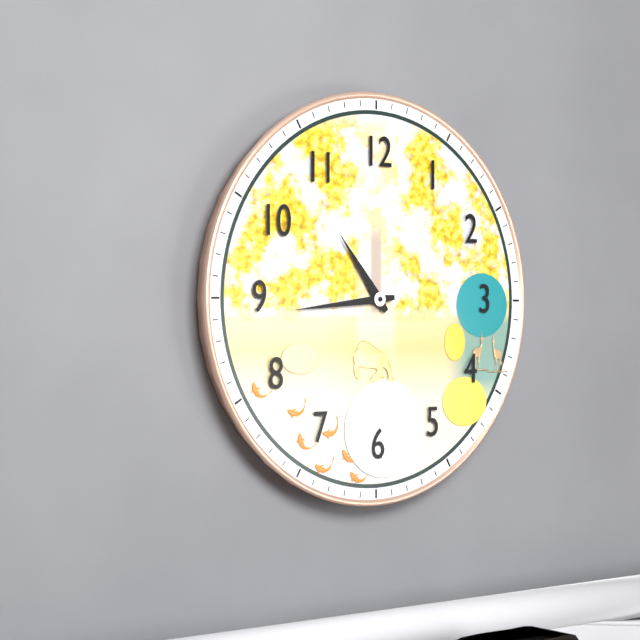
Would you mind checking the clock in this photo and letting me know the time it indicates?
10:44
